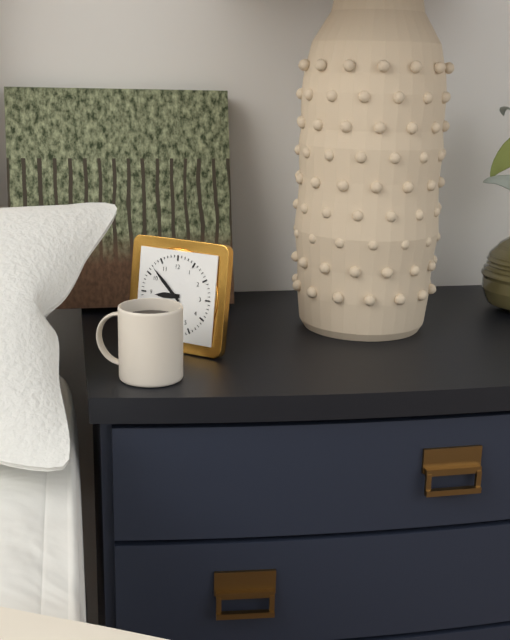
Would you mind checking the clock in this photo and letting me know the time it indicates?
8:52
